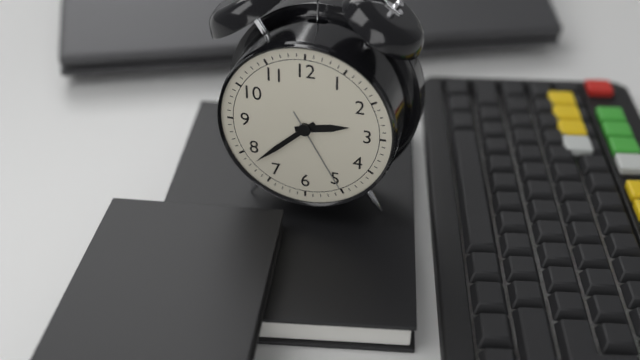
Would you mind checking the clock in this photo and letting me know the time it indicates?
2:38:25
